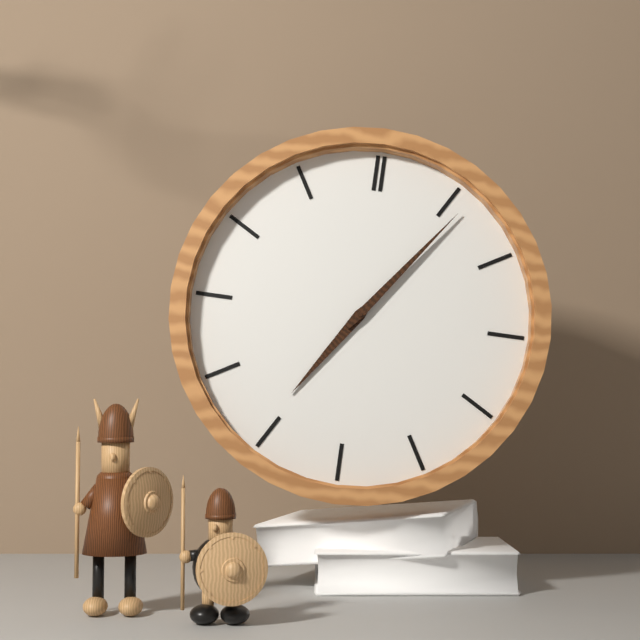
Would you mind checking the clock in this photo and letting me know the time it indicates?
7:06
